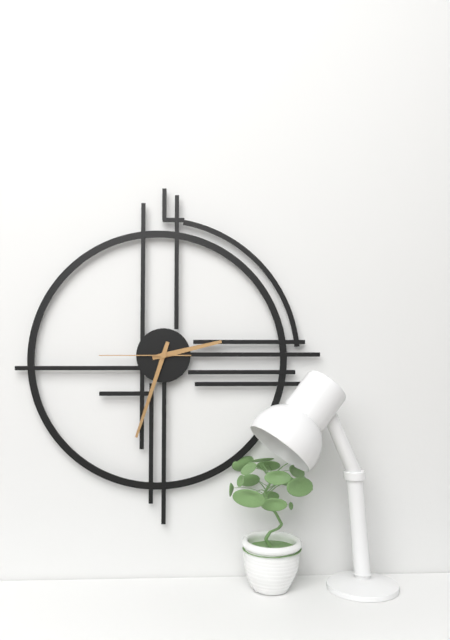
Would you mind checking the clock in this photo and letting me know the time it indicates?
2:33:45
